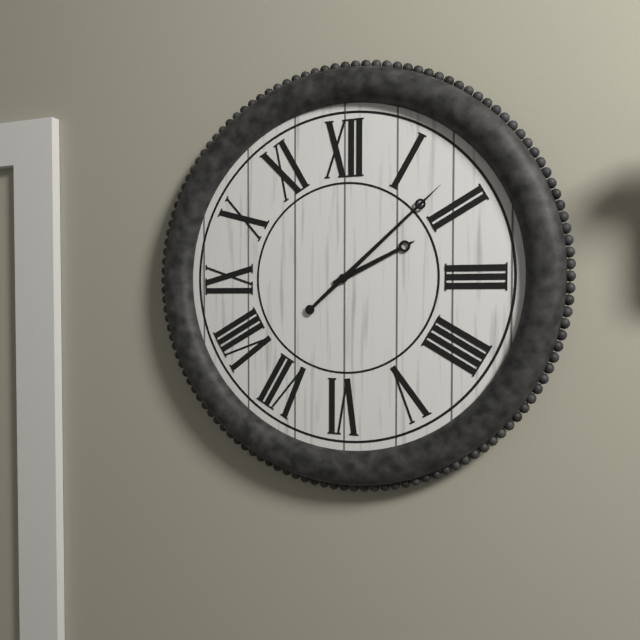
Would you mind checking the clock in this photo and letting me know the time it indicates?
2:08
